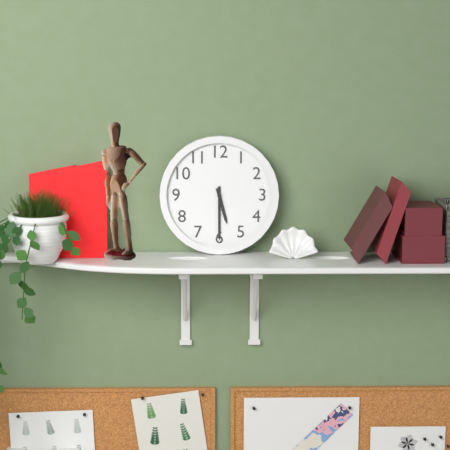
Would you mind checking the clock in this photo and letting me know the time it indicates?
5:30
